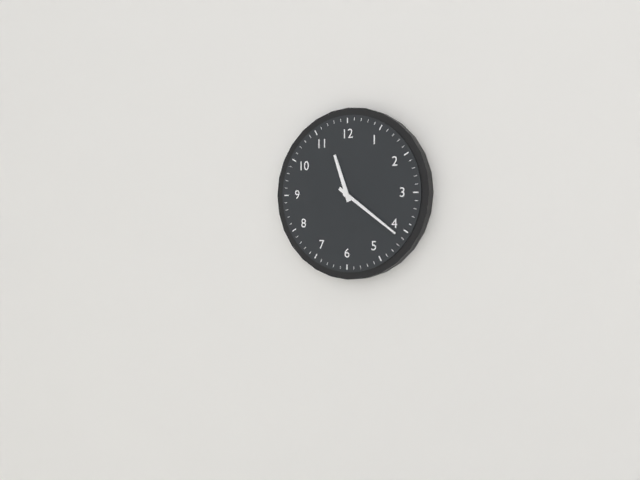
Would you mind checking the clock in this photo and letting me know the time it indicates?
11:21
